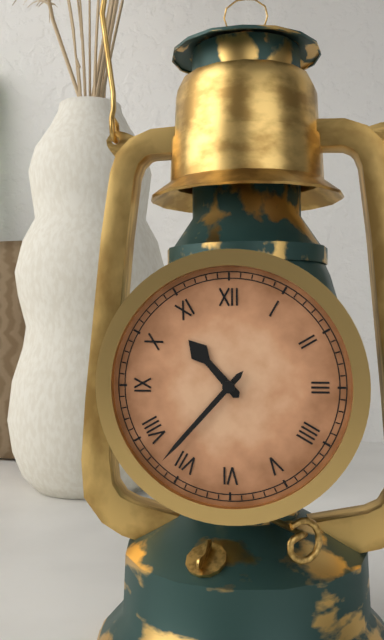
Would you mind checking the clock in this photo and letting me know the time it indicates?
10:37
